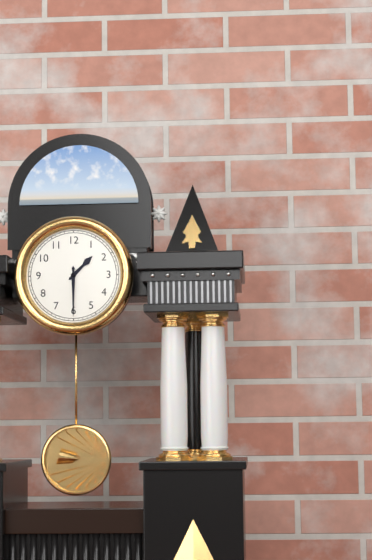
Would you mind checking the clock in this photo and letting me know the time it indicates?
1:30
